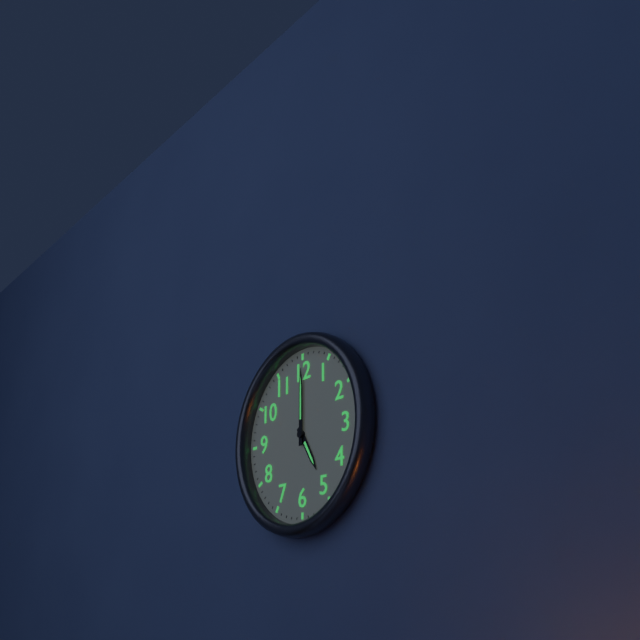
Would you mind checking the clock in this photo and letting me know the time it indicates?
5:00
